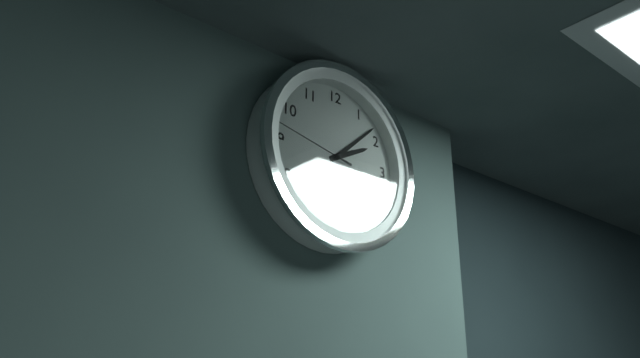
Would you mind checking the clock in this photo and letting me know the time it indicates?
2:08:47
